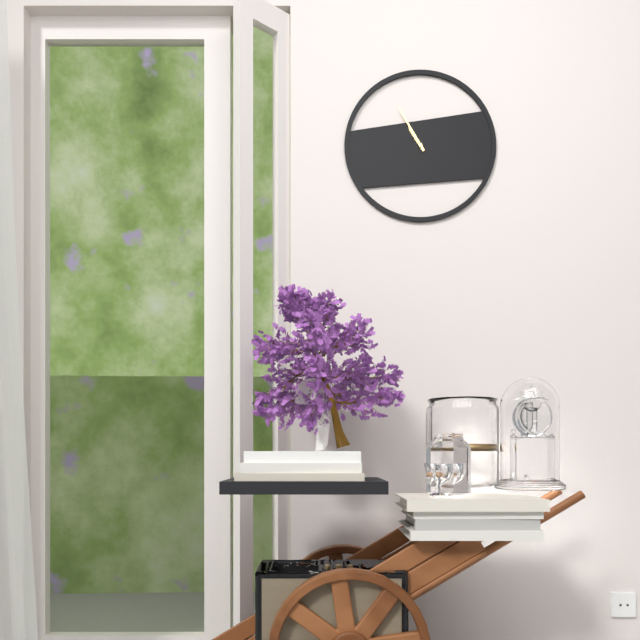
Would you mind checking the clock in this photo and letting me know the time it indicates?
10:55
